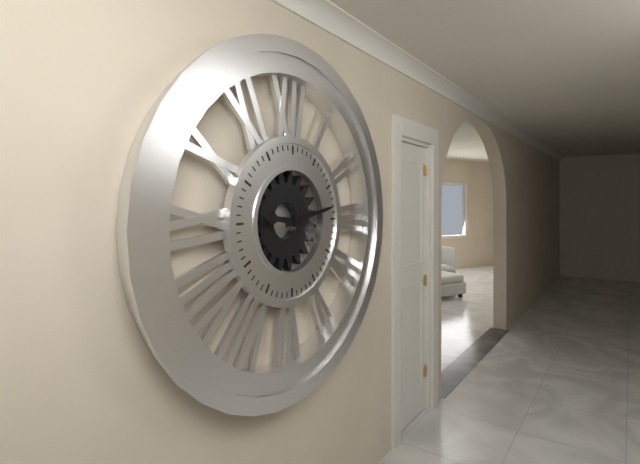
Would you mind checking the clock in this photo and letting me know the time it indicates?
9:13
